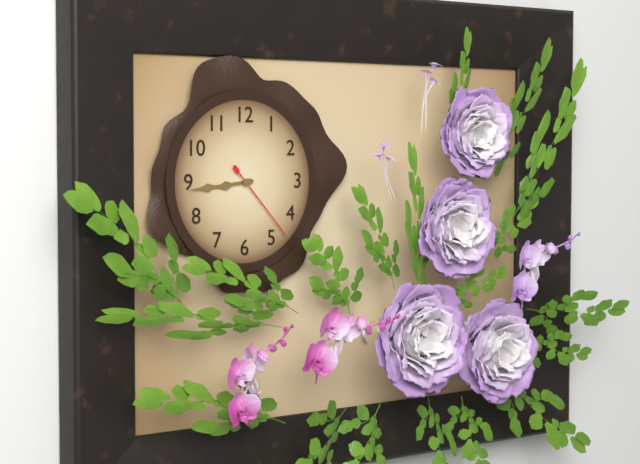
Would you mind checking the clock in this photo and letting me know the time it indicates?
8:44:23
